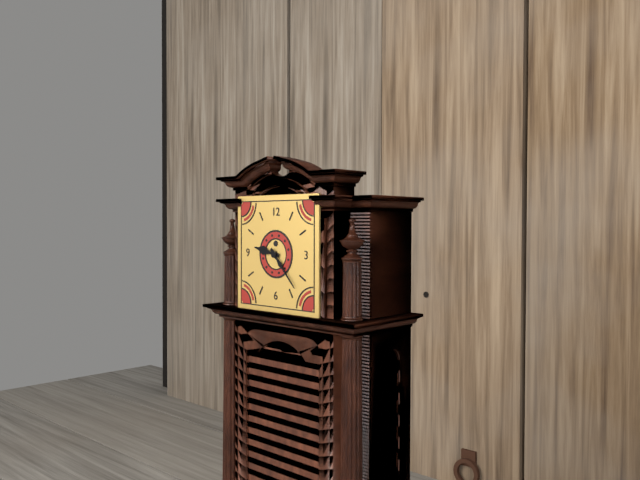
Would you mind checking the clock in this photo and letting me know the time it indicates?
9:23
